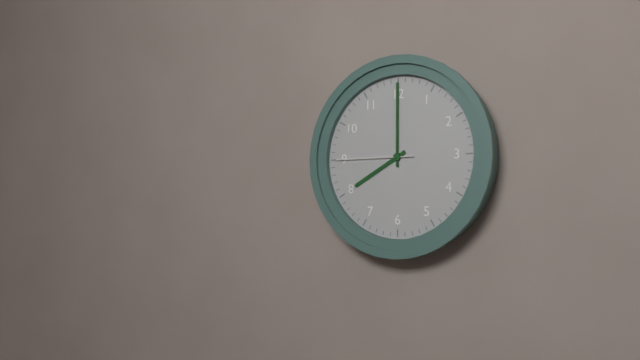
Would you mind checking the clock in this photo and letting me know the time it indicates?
8:00:45
